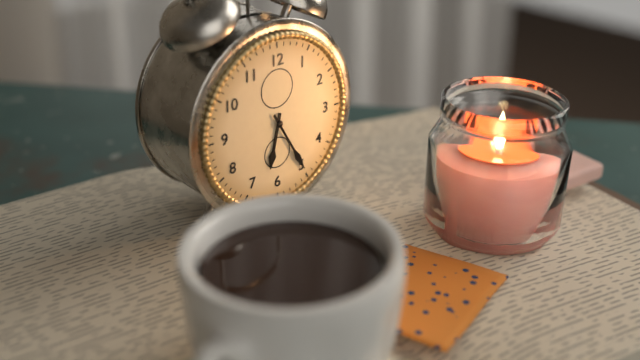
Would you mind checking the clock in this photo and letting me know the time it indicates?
6:25
